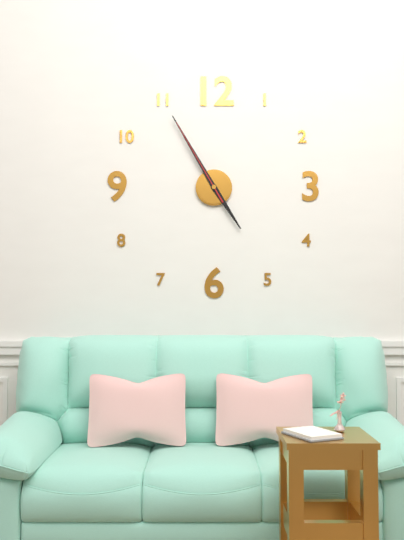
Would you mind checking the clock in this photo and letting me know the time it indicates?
4:55:55
